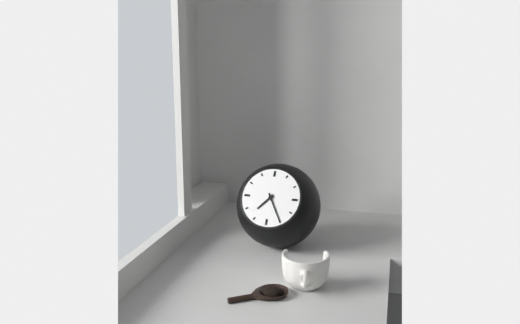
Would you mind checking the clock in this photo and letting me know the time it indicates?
7:25
